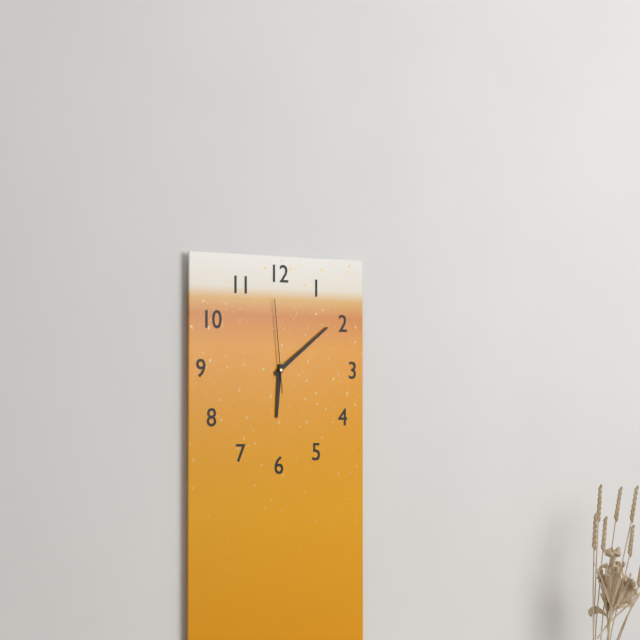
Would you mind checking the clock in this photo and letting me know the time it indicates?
6:09:59
